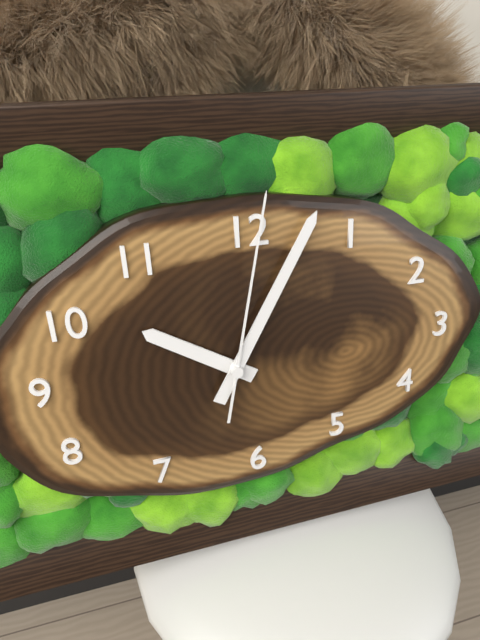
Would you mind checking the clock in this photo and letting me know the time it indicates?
10:05:02
